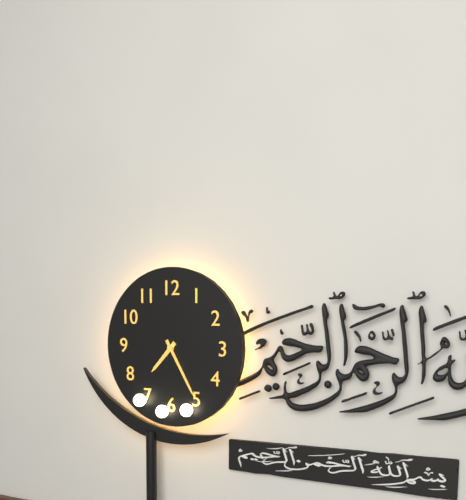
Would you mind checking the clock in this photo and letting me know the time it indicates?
7:25
